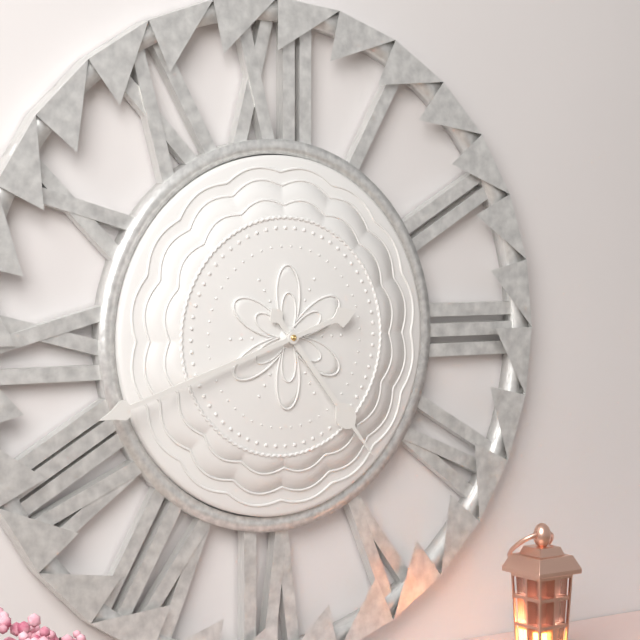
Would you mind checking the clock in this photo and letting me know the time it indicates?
4:42
